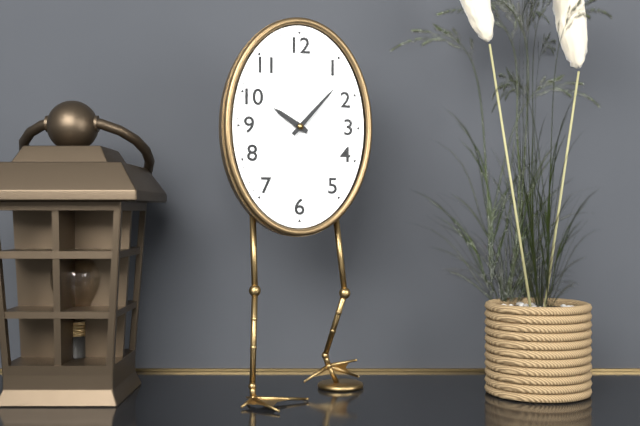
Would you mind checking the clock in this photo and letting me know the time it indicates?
10:07
